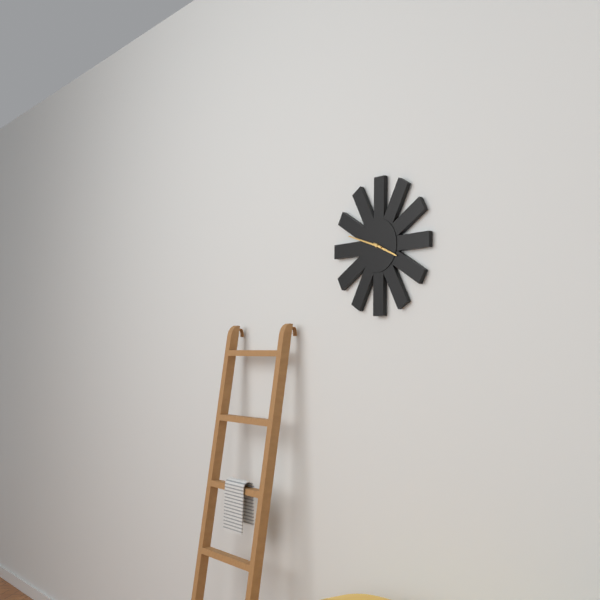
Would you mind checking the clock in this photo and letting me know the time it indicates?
3:48
